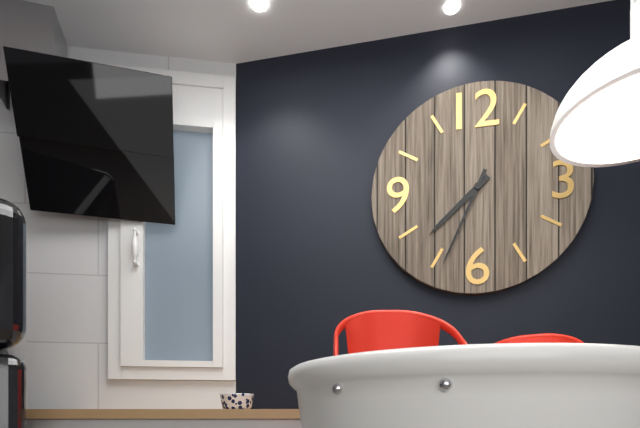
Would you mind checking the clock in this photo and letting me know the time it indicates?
7:34
